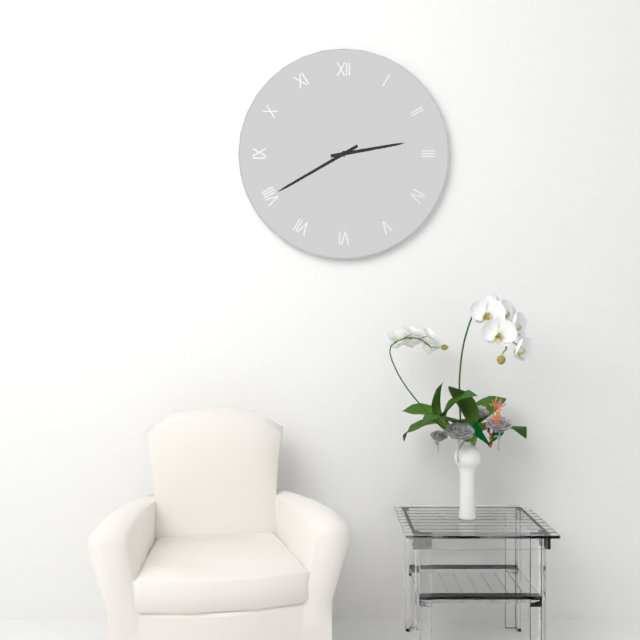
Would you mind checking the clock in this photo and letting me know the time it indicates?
2:40
